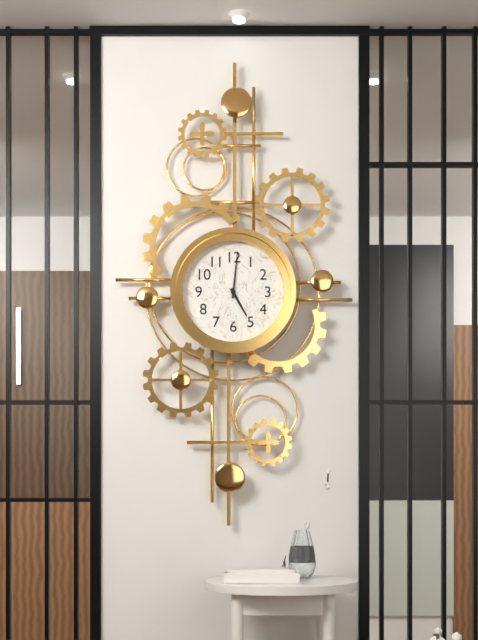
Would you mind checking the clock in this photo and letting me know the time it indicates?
5:01
